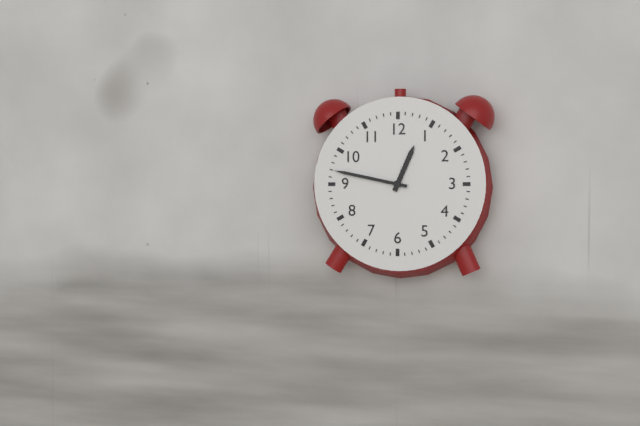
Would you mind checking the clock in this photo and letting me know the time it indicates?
12:47
